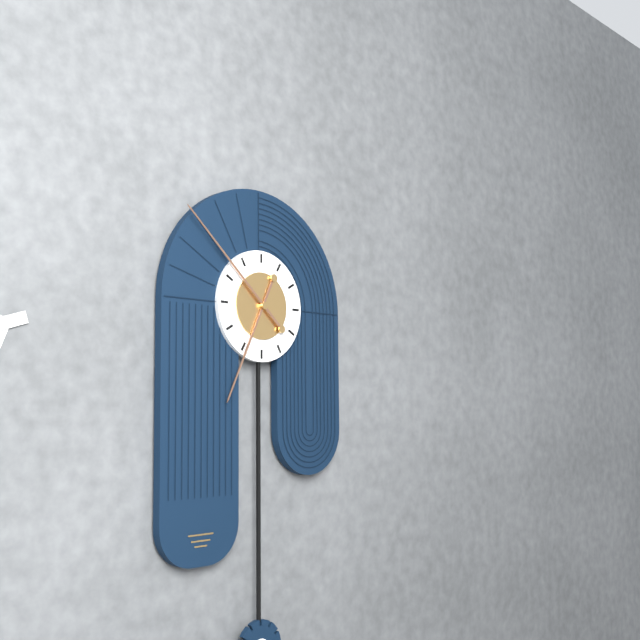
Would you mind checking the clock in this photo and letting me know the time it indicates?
6:52
